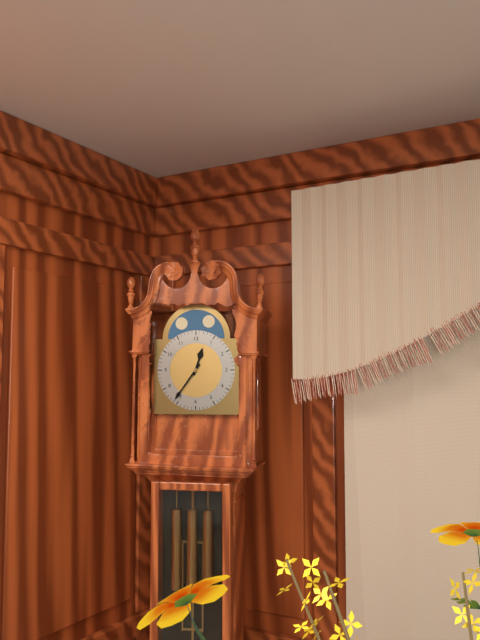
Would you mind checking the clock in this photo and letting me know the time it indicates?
12:36
